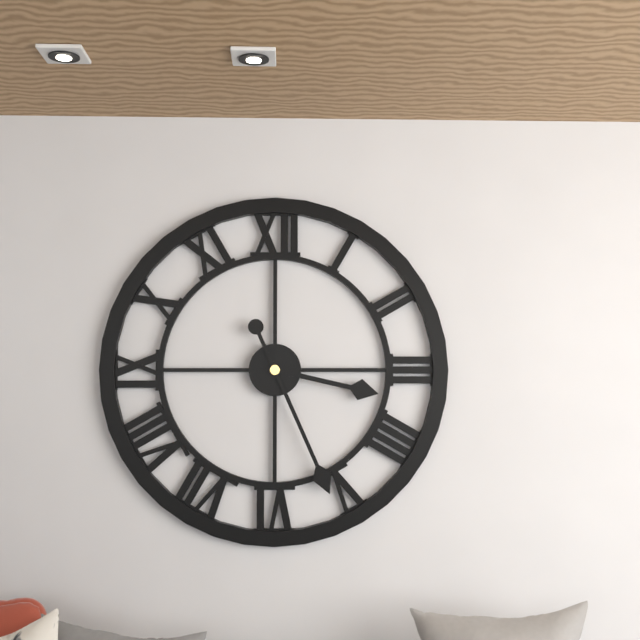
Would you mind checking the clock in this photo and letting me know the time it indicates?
3:26
